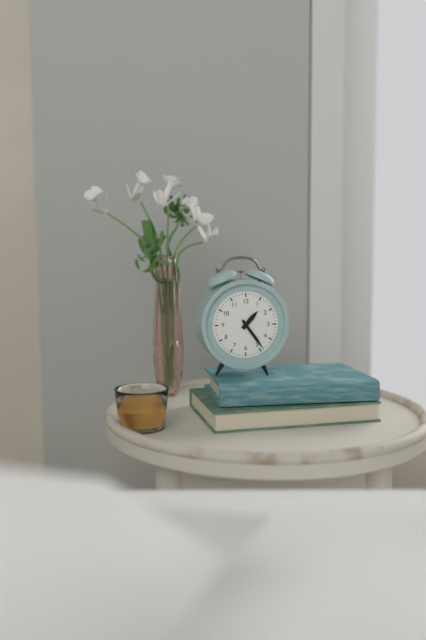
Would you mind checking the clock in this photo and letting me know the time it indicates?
1:24
